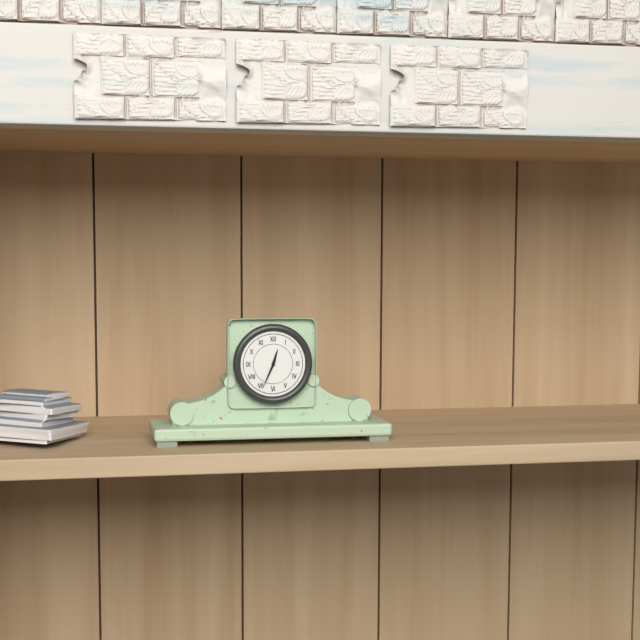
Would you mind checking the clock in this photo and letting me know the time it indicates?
12:34
